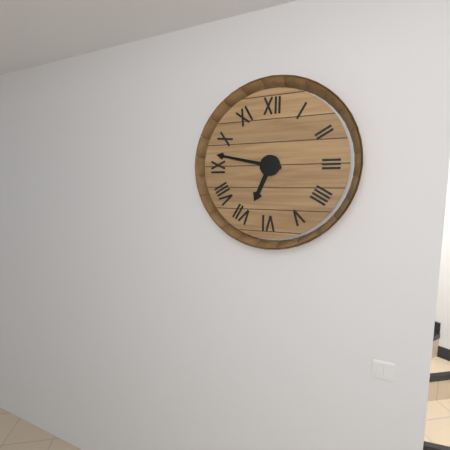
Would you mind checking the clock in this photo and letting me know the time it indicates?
6:47
